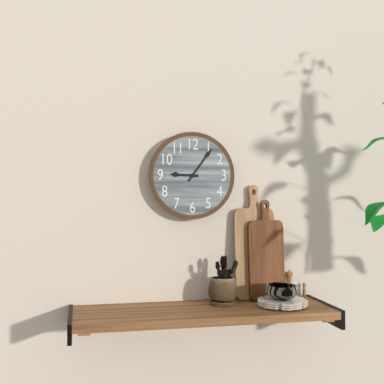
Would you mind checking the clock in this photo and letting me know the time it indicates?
9:06
